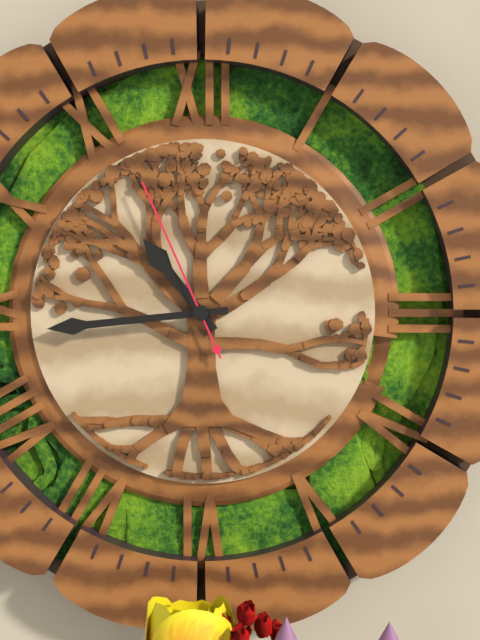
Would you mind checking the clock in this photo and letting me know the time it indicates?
10:44:56
